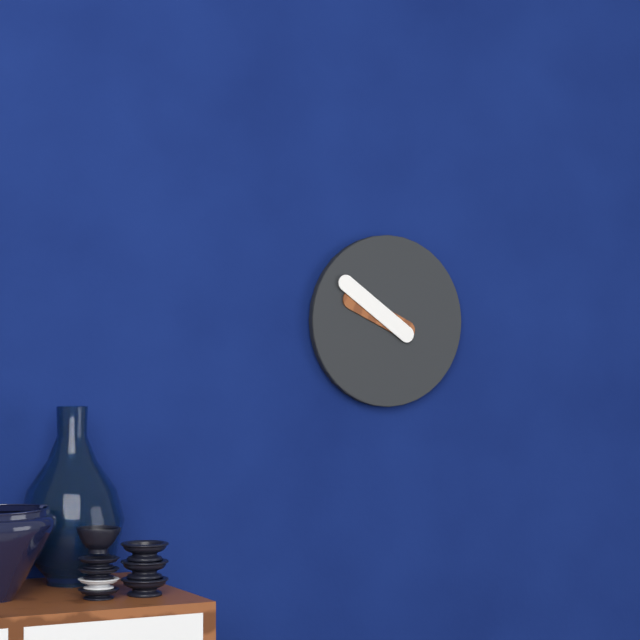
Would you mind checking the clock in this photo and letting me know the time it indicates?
9:51
